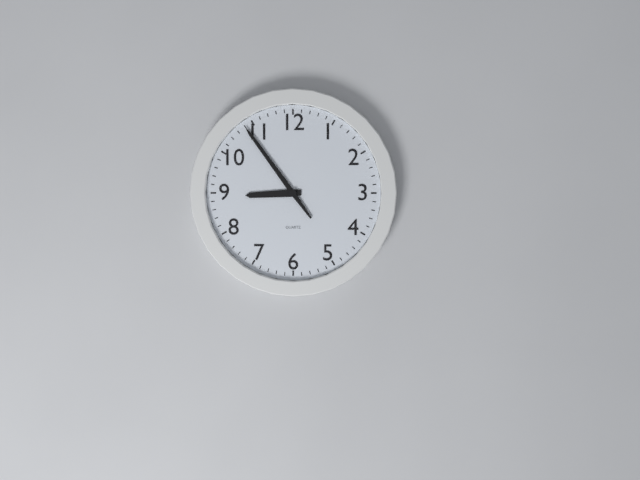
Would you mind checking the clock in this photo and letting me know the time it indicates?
8:54
